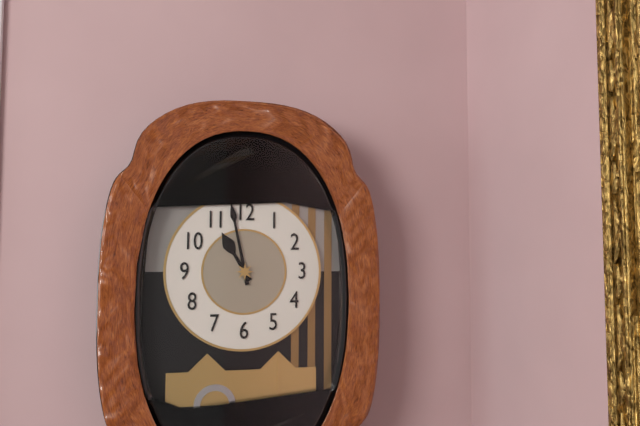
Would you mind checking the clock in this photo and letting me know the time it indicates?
10:58
